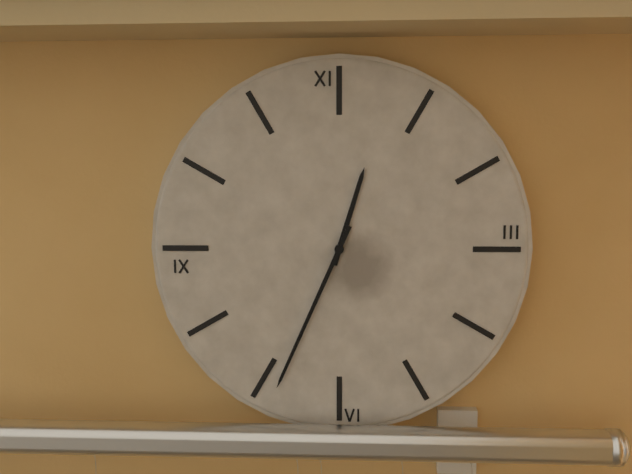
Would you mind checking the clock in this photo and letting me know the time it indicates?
12:34
